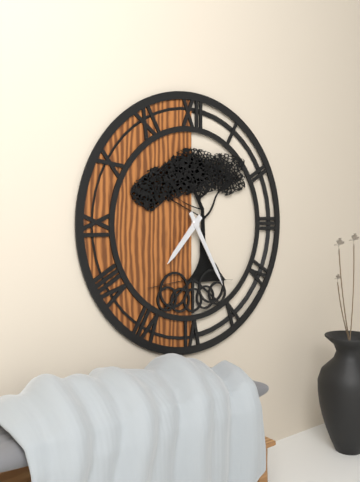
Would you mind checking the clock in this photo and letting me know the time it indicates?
7:25
